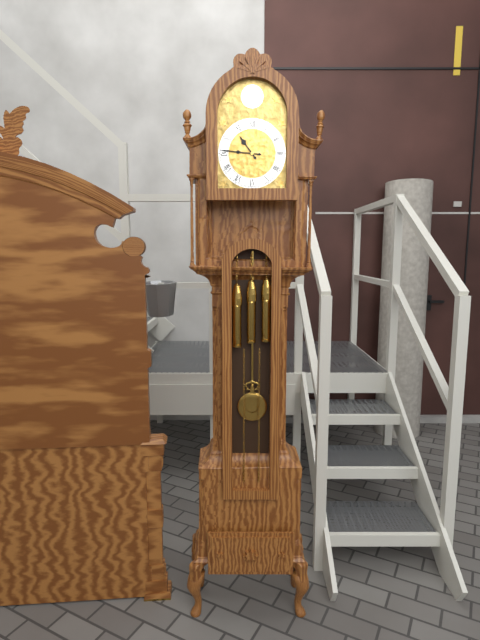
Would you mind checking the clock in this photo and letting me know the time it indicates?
10:46
